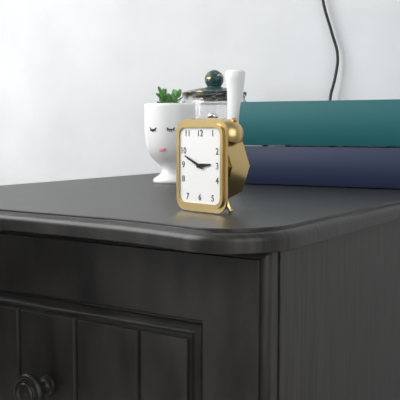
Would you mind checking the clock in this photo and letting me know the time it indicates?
2:49
